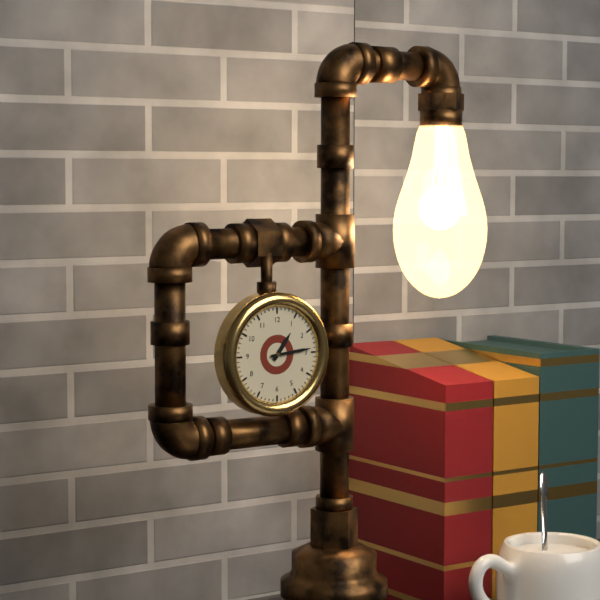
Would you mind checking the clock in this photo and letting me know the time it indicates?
1:14
